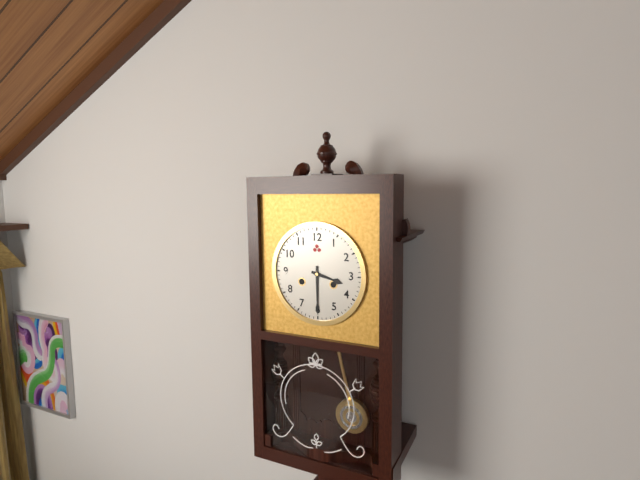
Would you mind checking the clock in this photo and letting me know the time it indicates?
3:30
